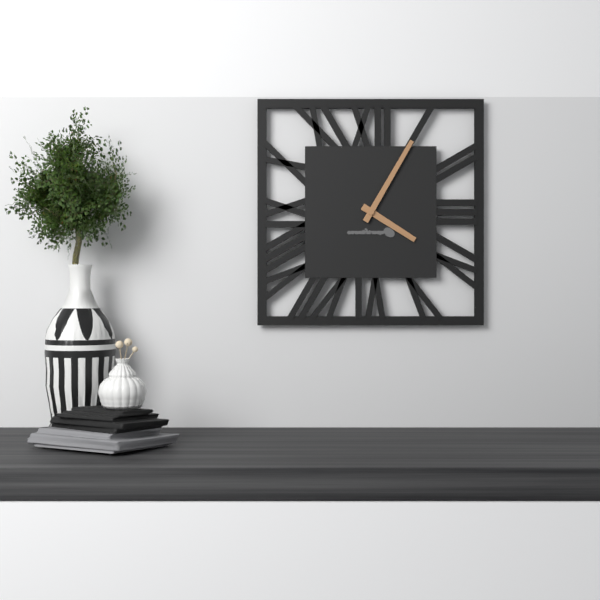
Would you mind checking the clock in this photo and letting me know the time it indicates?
4:05
